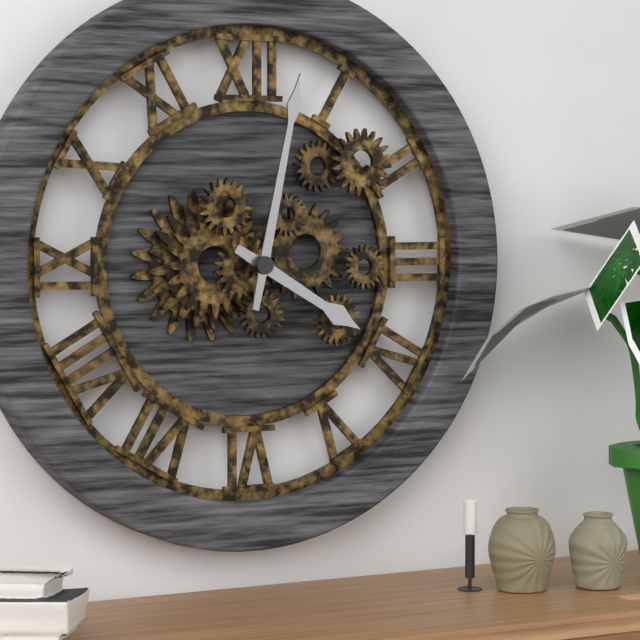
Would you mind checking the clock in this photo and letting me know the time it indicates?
4:02
